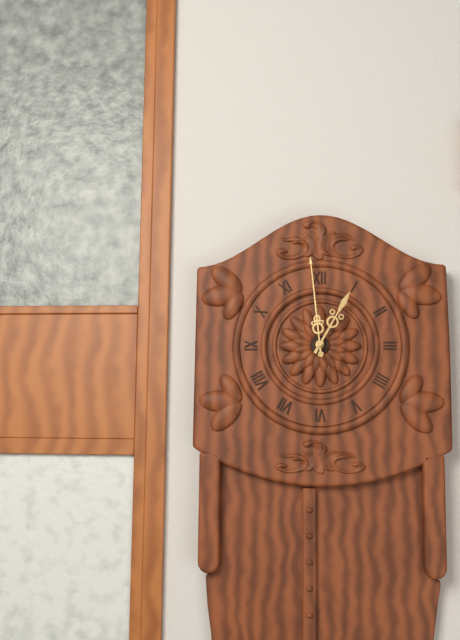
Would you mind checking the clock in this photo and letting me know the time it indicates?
12:59
